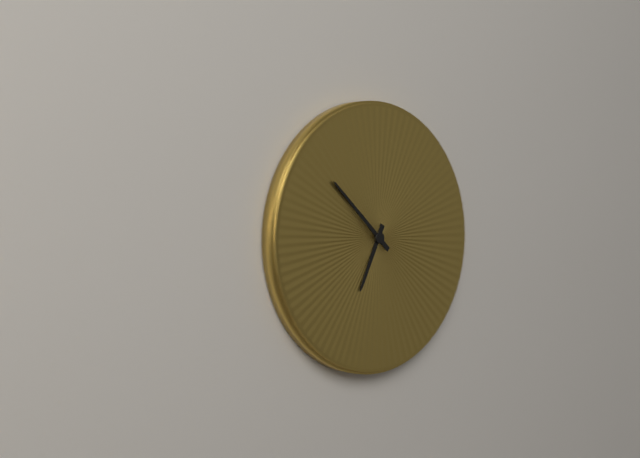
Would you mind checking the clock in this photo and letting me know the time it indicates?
6:52
